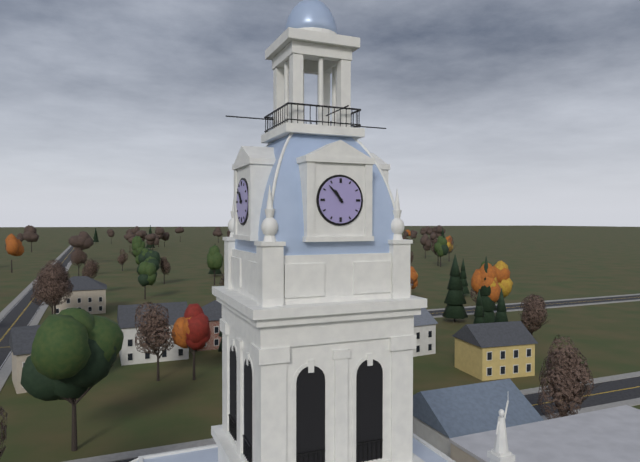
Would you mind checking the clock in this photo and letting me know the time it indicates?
10:53
